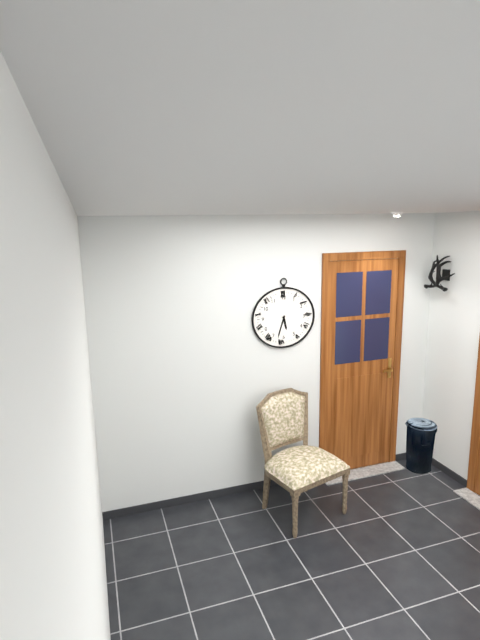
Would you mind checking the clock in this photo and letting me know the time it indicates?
5:33
